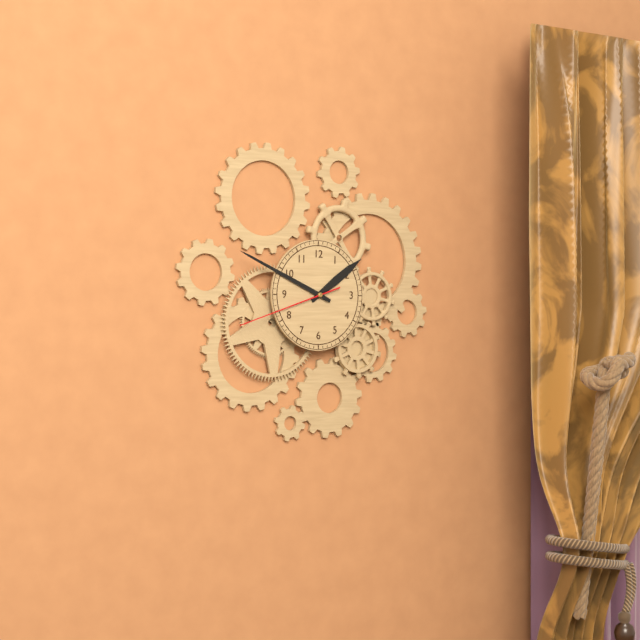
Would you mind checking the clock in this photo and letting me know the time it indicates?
1:49:42
